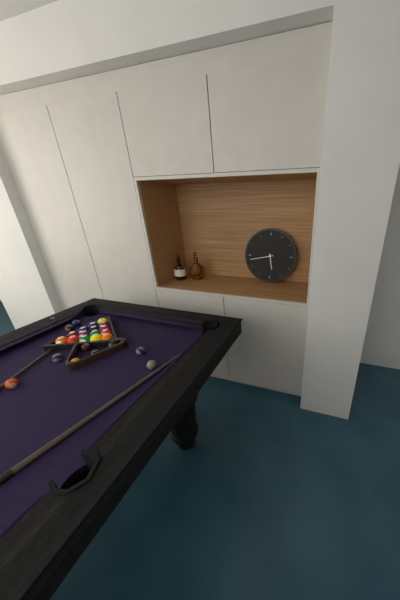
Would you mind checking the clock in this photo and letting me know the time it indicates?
5:43
